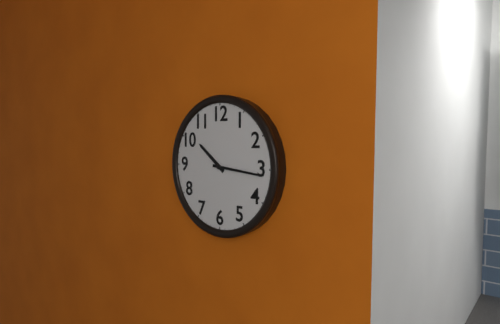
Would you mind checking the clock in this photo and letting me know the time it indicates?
10:16
